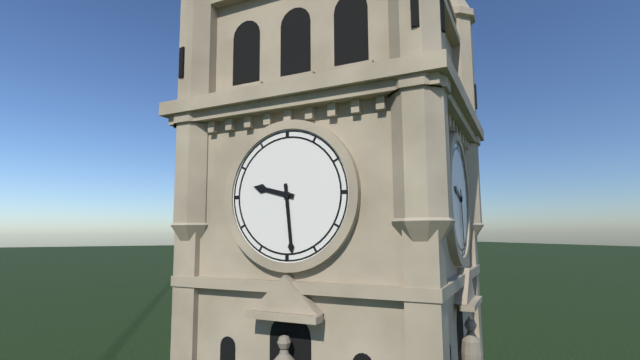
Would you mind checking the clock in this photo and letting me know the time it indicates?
9:29
